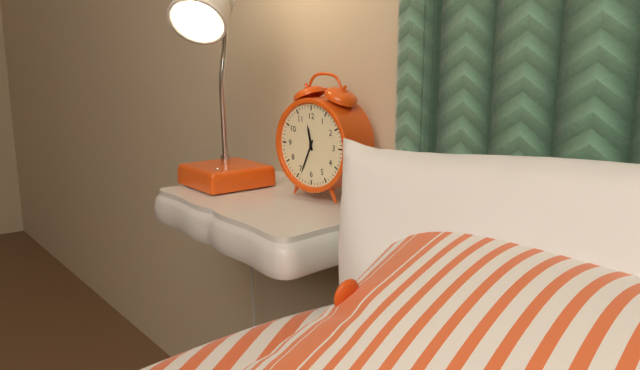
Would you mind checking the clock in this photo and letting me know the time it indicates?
11:34
